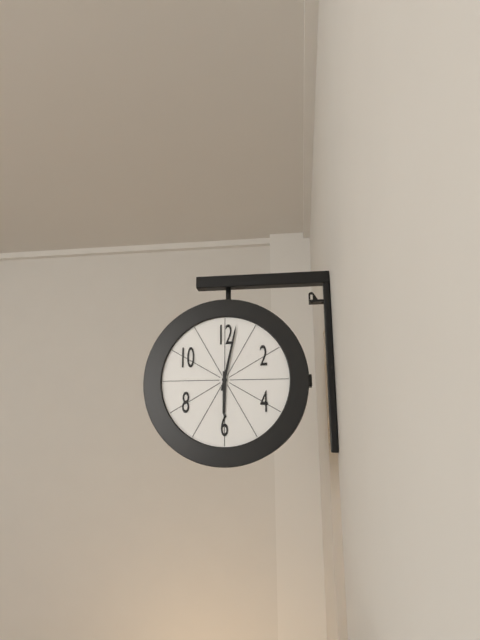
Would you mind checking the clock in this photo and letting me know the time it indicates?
6:02
